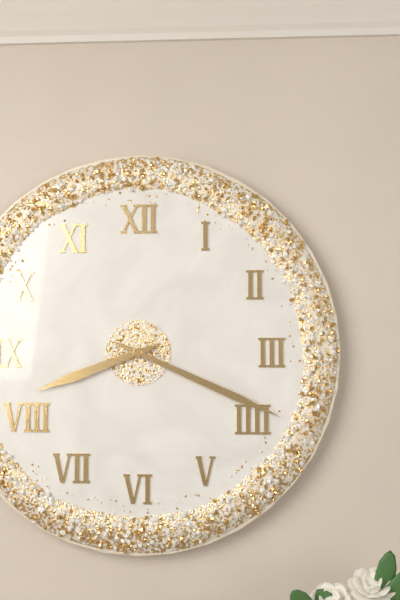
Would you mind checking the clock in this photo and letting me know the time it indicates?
8:19
